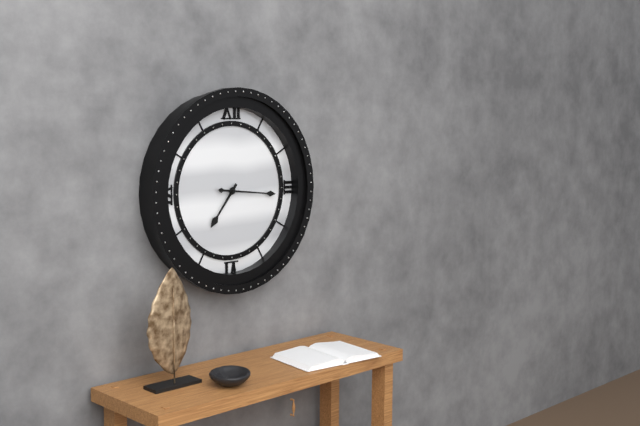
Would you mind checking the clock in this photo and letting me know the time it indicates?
7:16
